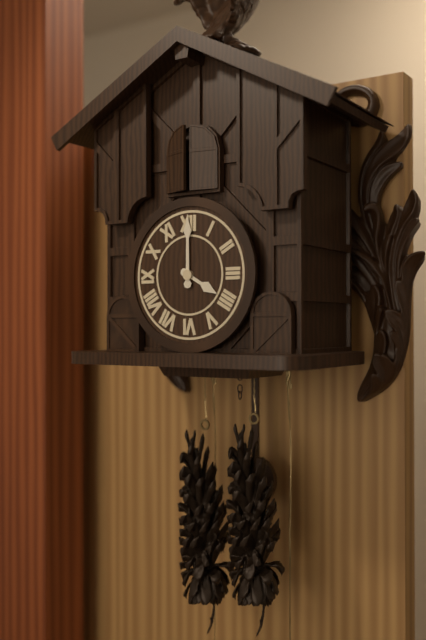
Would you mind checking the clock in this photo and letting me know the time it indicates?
4:00
